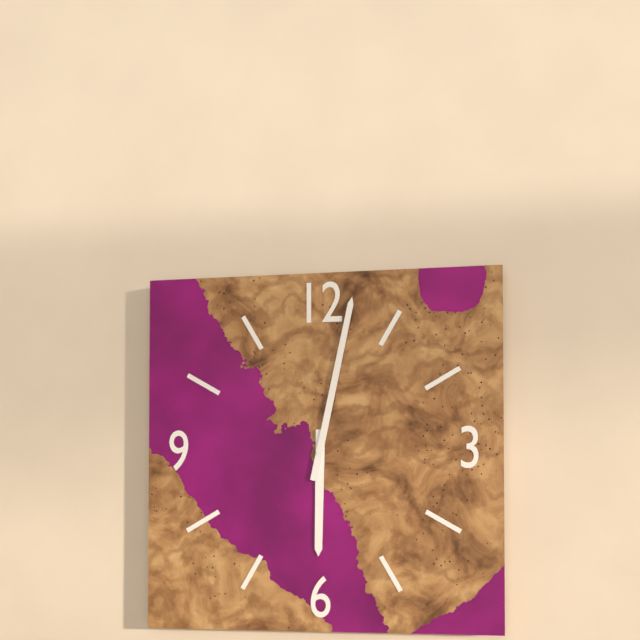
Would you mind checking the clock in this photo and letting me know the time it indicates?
6:02
